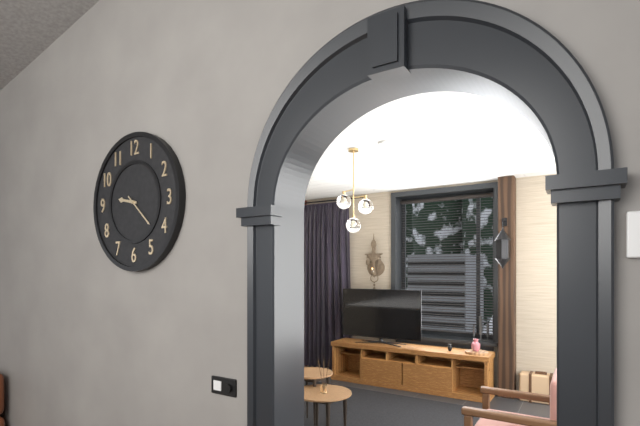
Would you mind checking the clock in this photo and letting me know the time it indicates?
9:22
